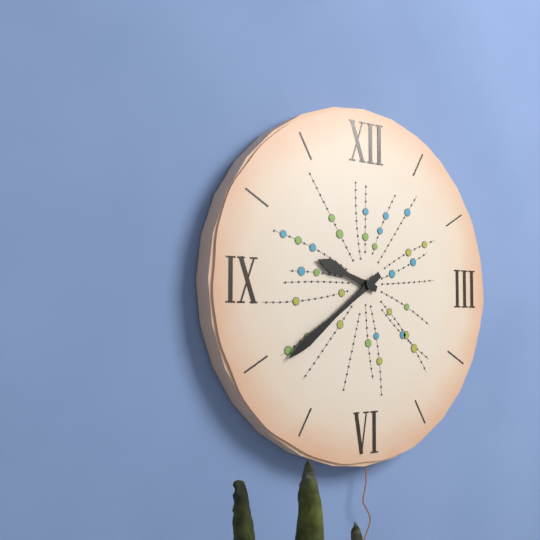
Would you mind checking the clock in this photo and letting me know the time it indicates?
9:39
